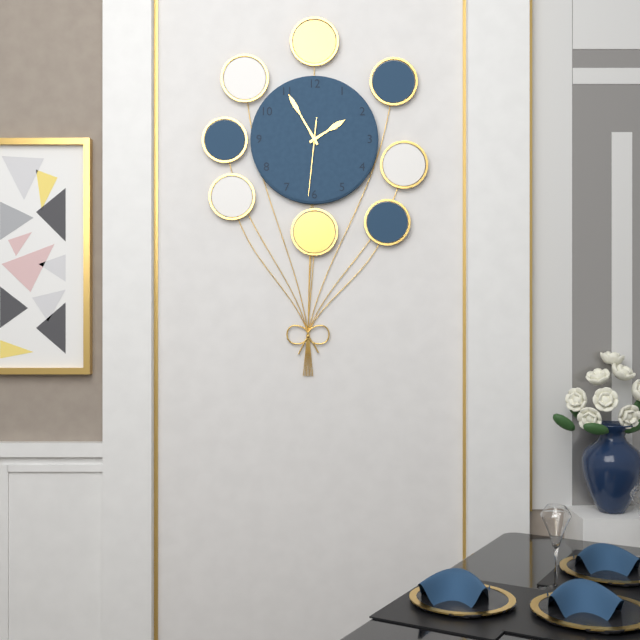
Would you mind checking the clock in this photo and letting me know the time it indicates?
1:55:31
